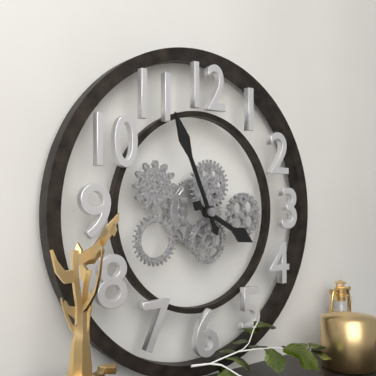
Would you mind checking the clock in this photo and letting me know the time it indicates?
3:56
